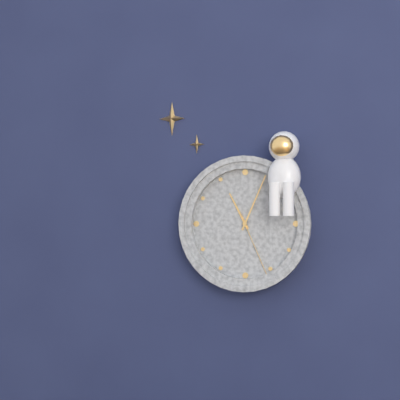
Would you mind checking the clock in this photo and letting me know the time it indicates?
11:04:26
